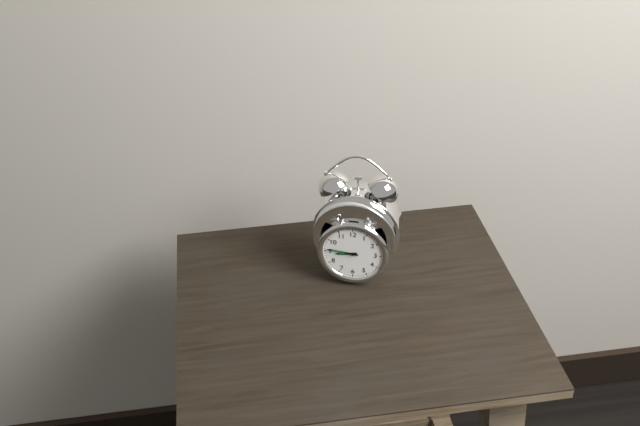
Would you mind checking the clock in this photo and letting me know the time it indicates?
8:46
